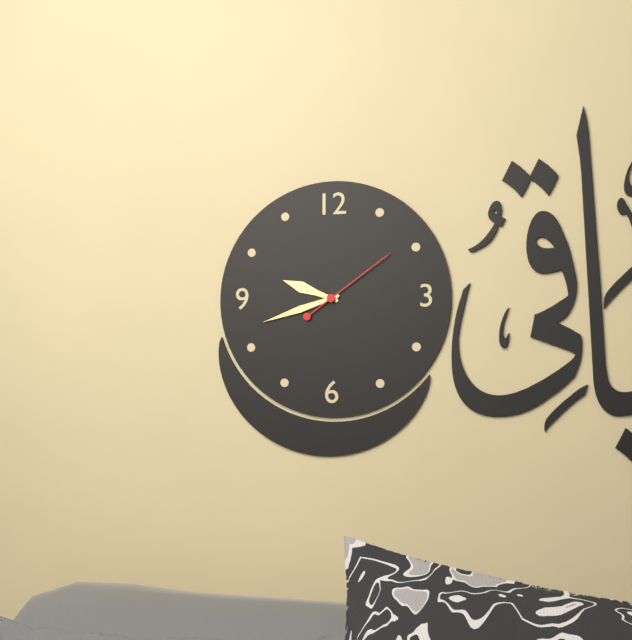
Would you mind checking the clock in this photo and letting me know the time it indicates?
9:42:09
